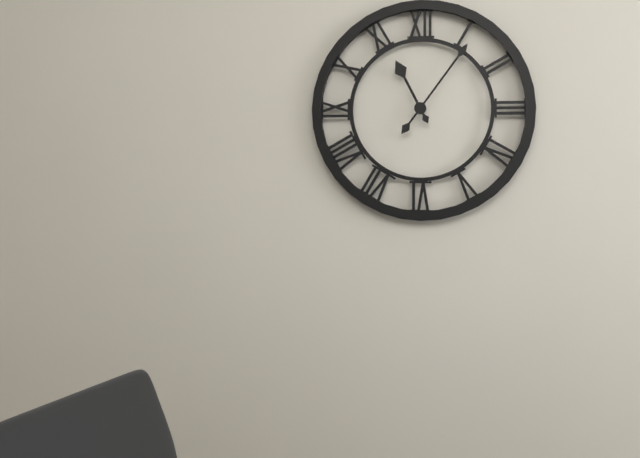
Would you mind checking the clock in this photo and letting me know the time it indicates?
11:06
